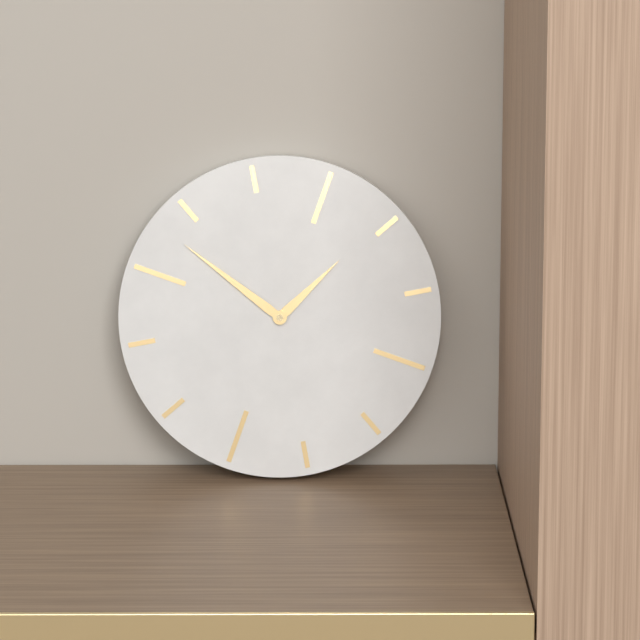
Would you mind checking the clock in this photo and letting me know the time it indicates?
1:53
